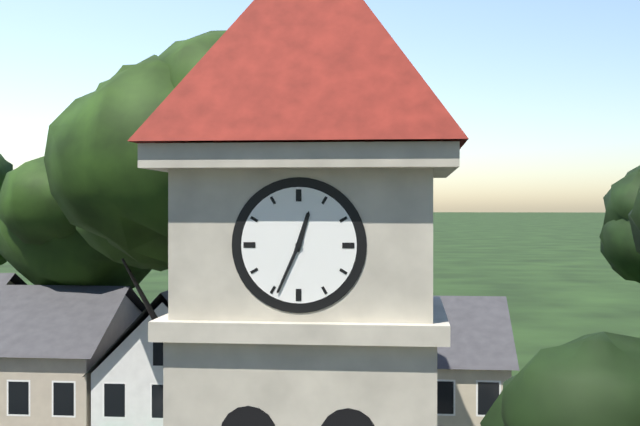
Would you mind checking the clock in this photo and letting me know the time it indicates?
12:34
